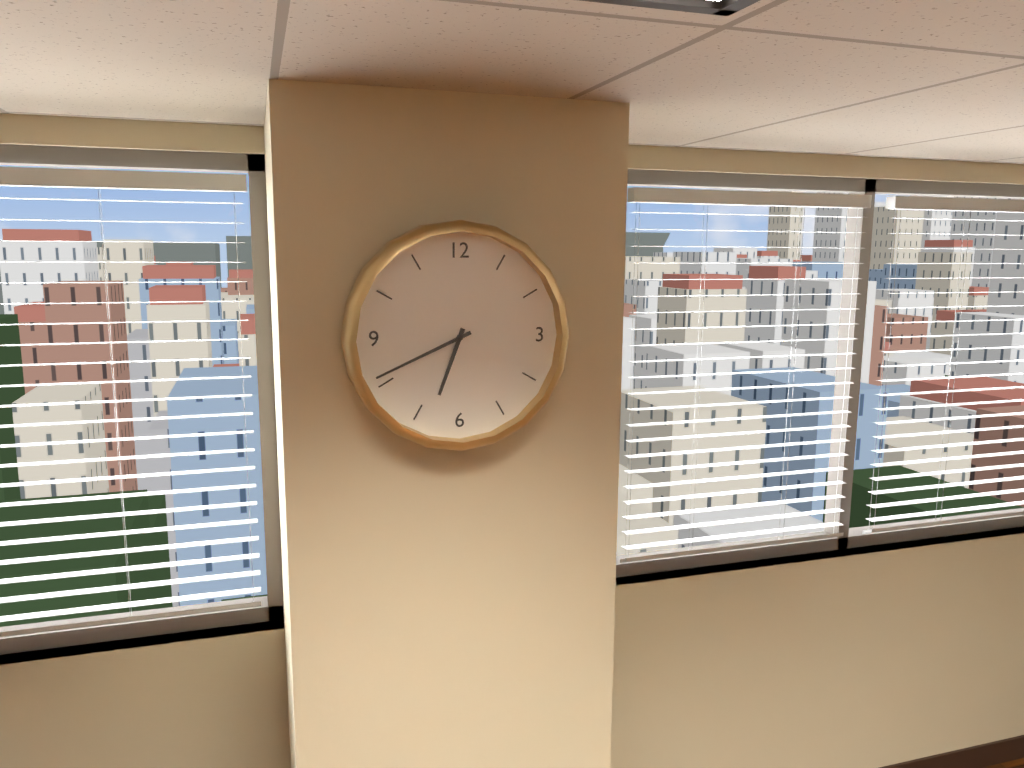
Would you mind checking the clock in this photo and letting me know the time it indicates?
6:41
